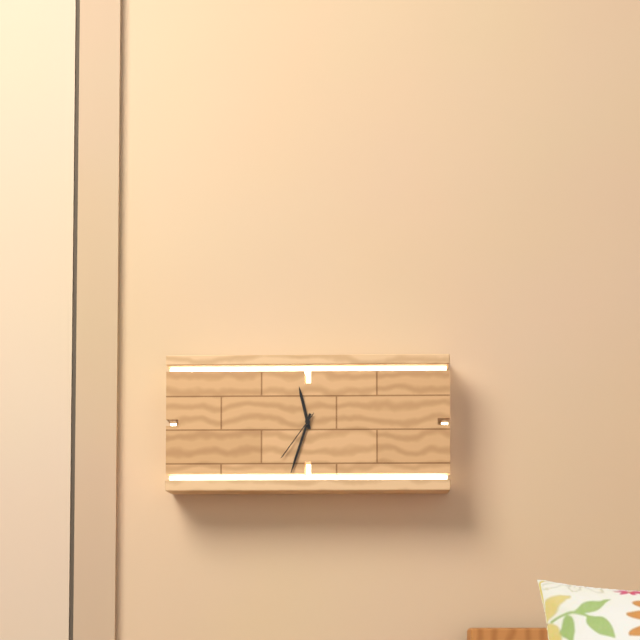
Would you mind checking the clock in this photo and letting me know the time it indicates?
11:33:36
